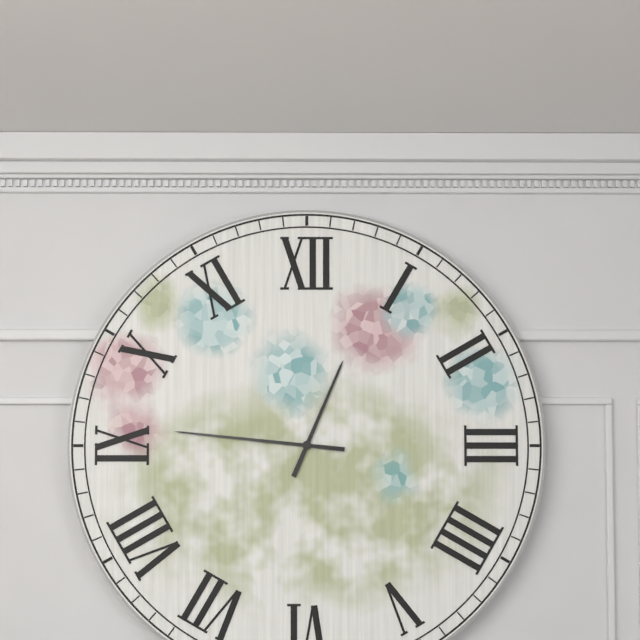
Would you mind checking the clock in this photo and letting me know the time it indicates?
12:46
